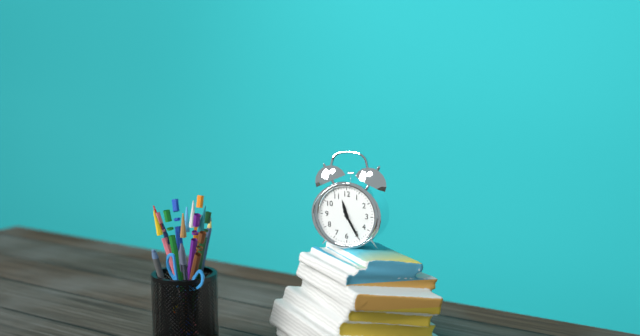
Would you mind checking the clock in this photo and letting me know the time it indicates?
11:25
